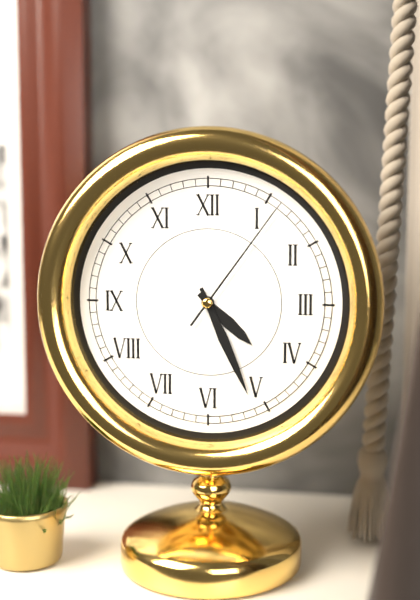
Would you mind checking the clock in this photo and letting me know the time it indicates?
4:26:06
